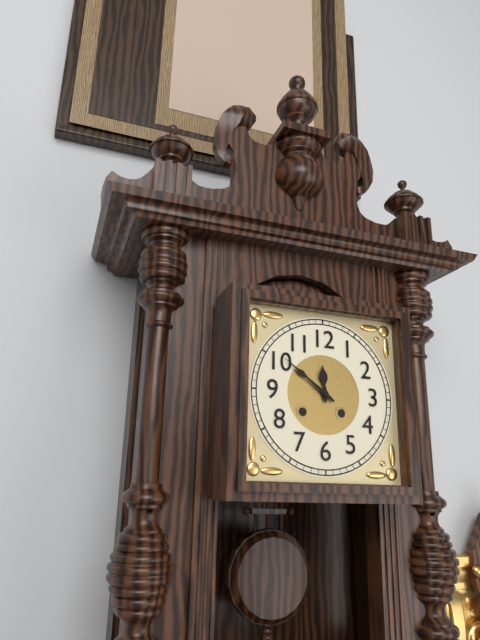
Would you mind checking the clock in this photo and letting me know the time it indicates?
11:51
